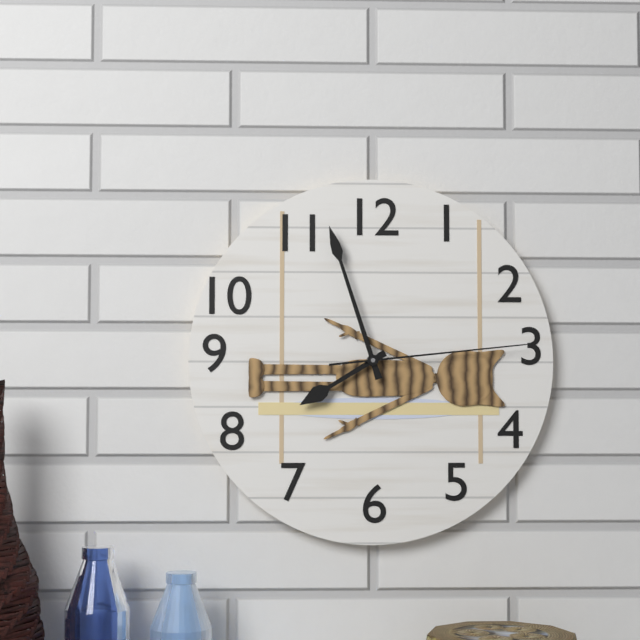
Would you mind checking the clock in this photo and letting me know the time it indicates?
7:57:14
